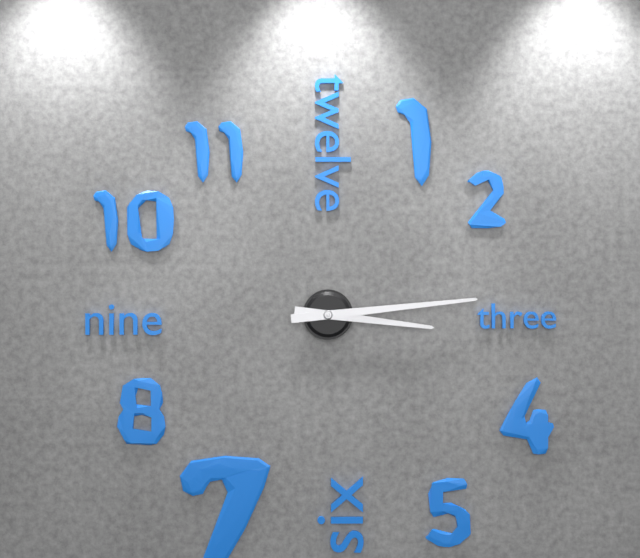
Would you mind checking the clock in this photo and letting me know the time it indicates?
3:14
